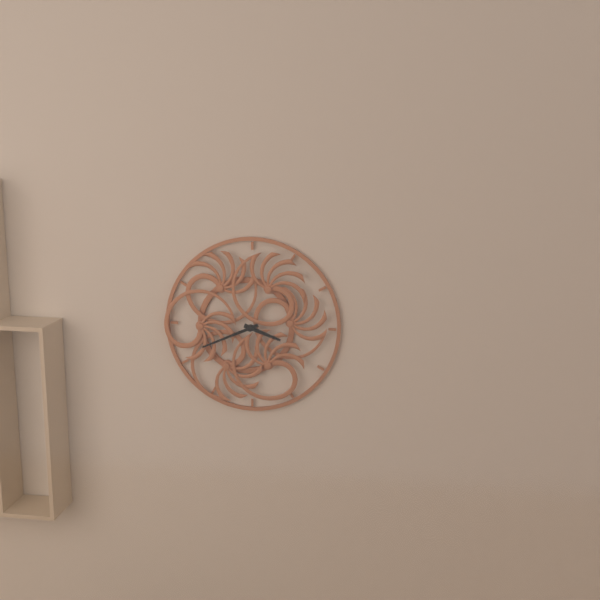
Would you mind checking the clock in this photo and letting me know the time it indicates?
3:41
